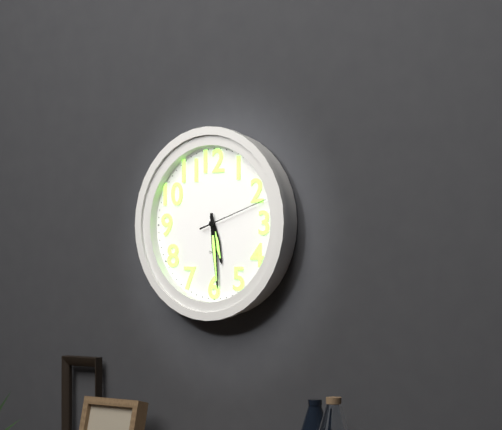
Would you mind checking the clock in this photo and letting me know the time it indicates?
5:29:12
